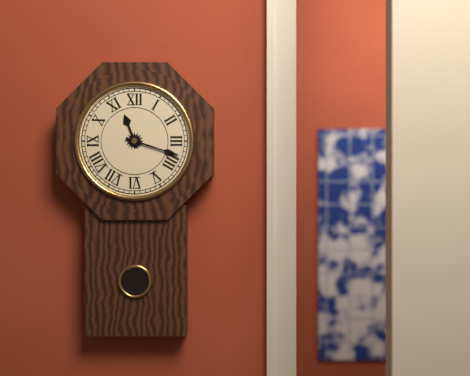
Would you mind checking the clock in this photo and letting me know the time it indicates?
11:18
